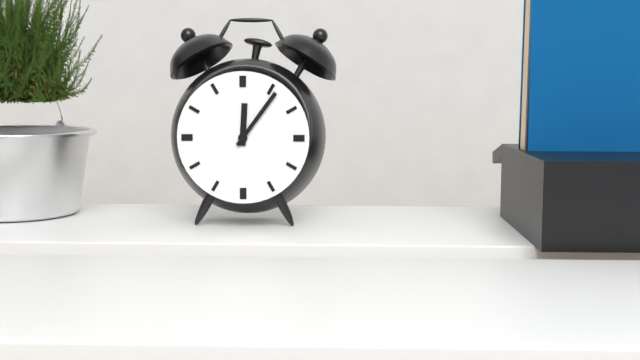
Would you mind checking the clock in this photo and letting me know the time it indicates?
12:06
